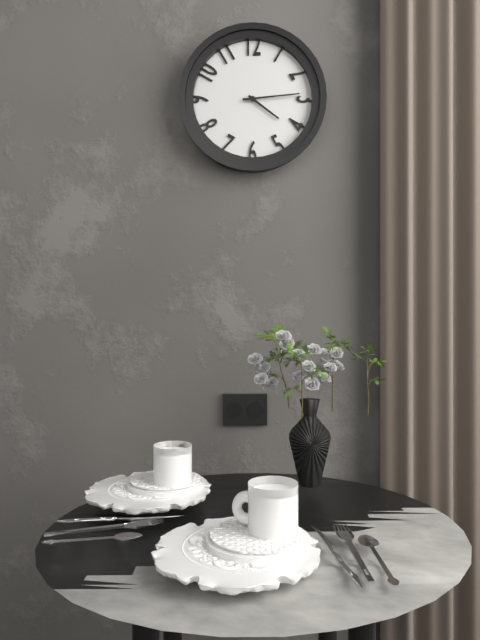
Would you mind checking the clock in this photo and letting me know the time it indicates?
4:14
